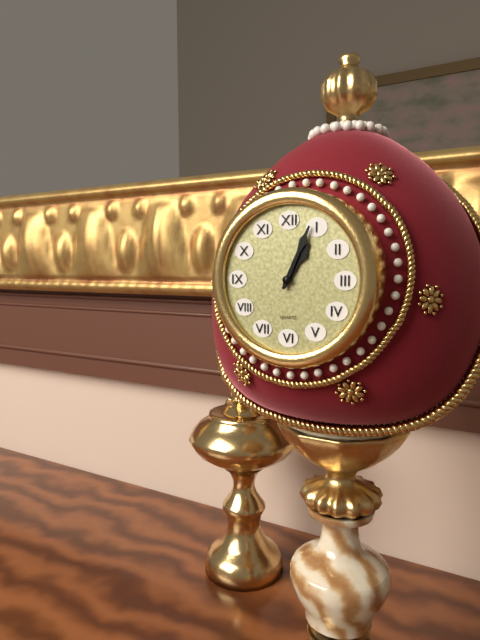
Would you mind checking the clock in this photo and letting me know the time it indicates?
1:04
